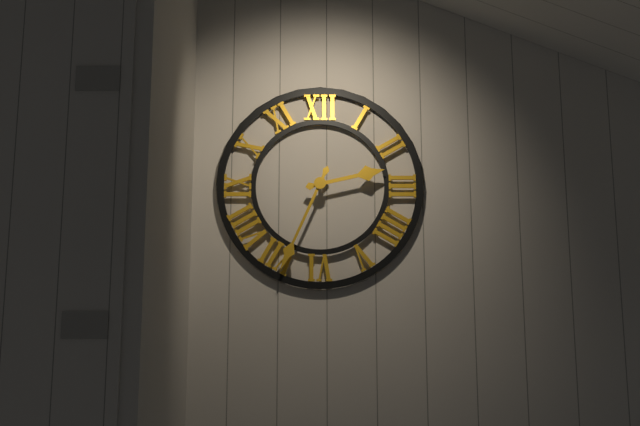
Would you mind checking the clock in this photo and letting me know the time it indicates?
2:34
